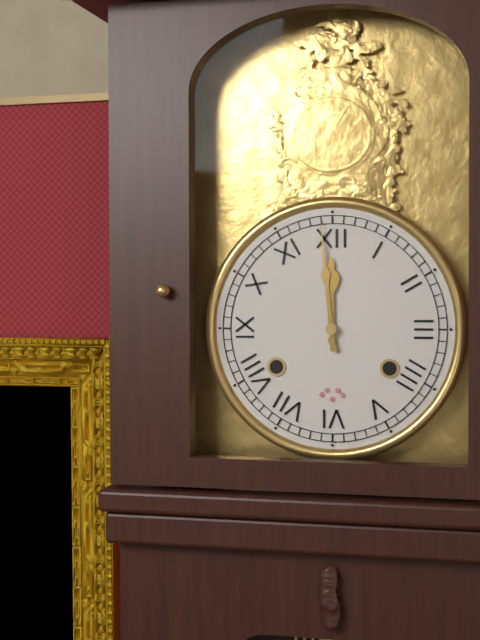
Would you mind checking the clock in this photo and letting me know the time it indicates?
11:59
